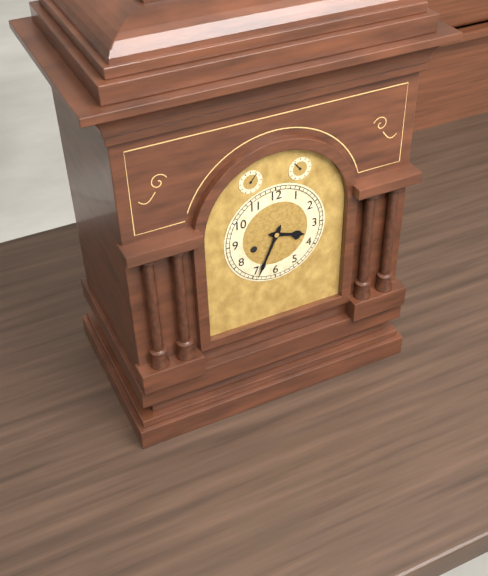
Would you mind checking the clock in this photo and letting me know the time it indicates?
3:34
